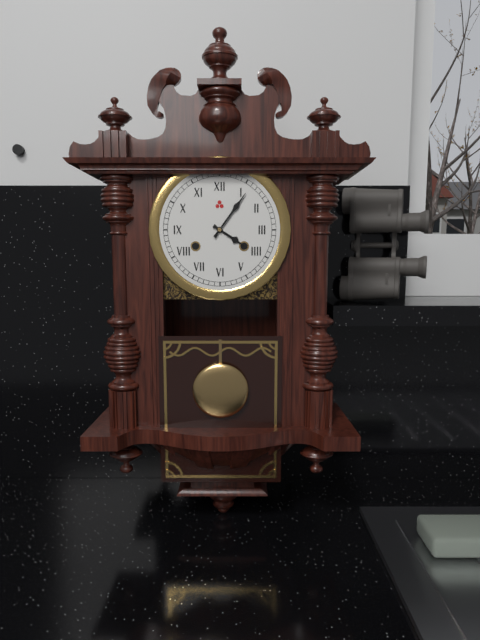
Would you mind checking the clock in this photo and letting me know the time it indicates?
4:06
